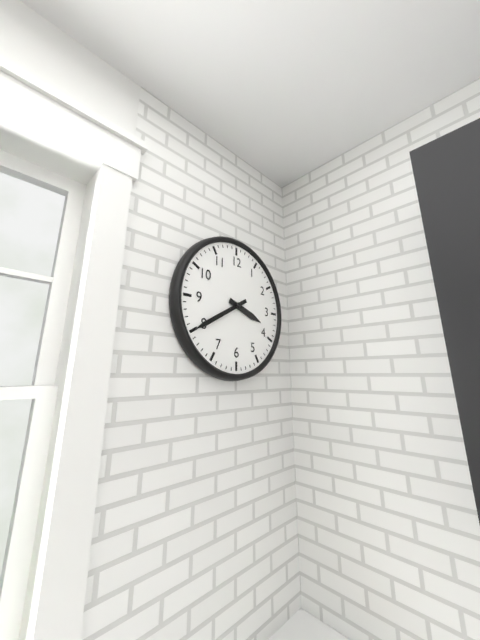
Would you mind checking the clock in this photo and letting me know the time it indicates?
3:40
